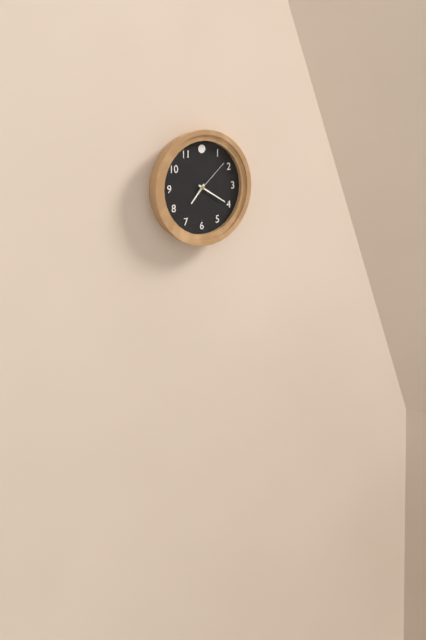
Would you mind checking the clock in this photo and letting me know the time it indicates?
7:20
